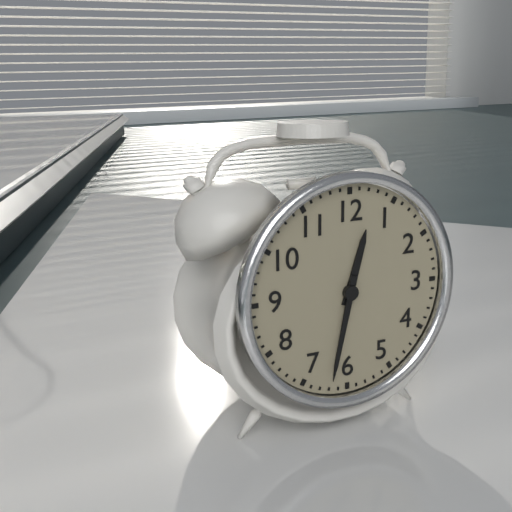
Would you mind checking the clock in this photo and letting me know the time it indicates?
12:32
